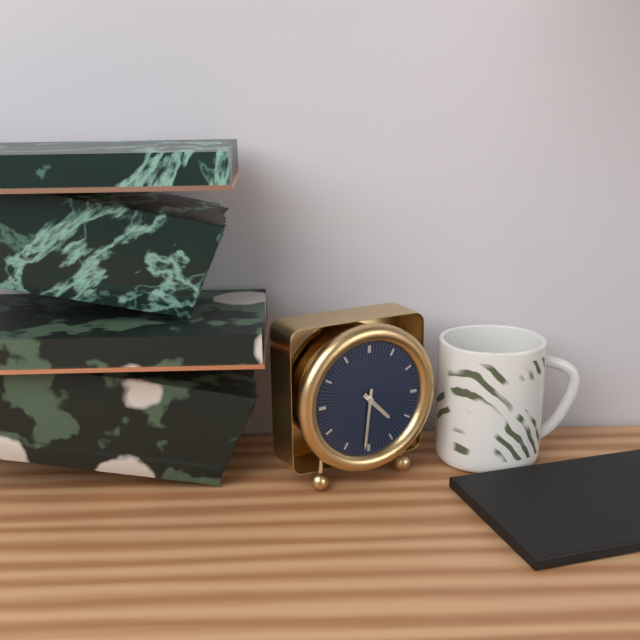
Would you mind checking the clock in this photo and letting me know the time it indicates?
4:31
